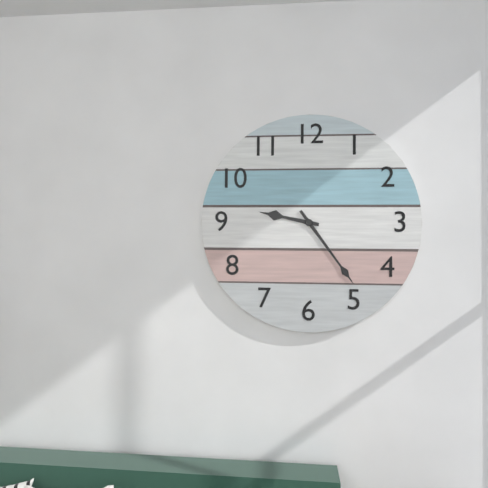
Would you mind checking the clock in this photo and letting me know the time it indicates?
9:24
